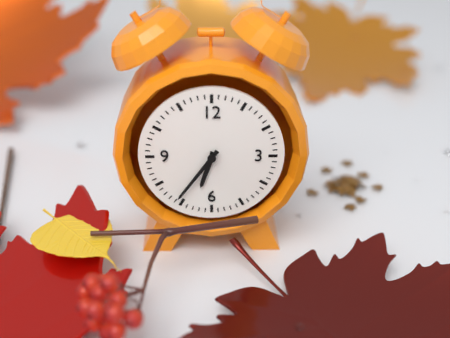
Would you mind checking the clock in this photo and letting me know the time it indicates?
6:36
